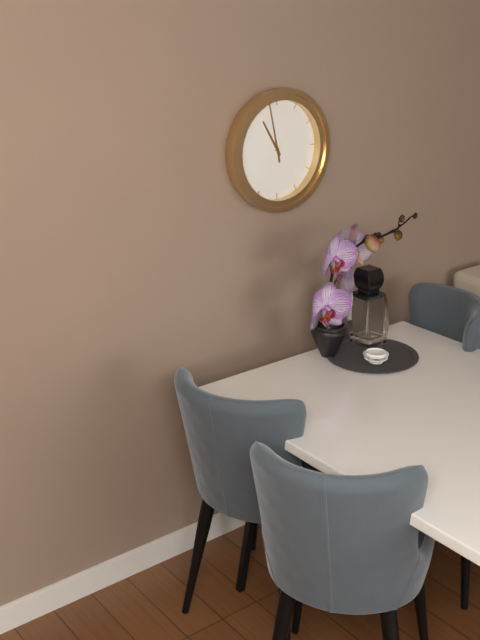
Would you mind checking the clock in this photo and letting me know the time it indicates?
10:58
